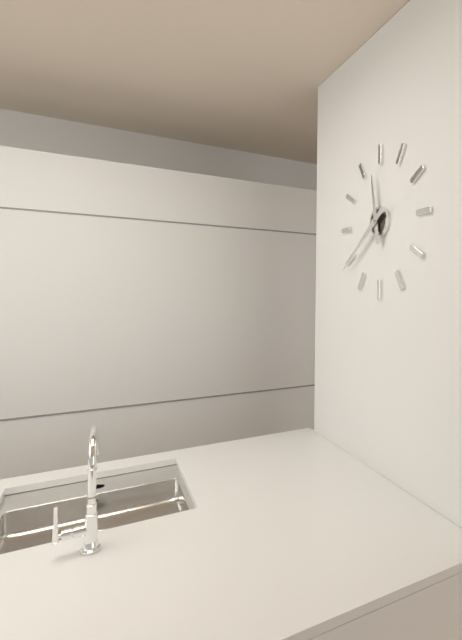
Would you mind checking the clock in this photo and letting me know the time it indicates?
11:39
